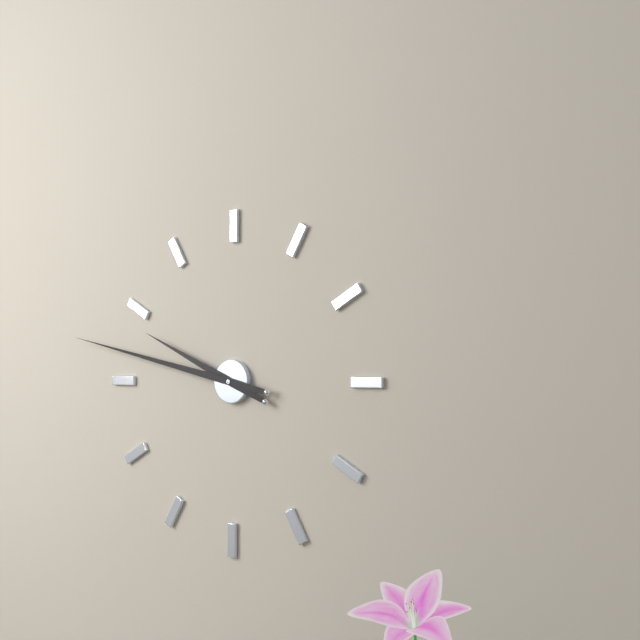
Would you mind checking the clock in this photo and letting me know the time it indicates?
9:47
